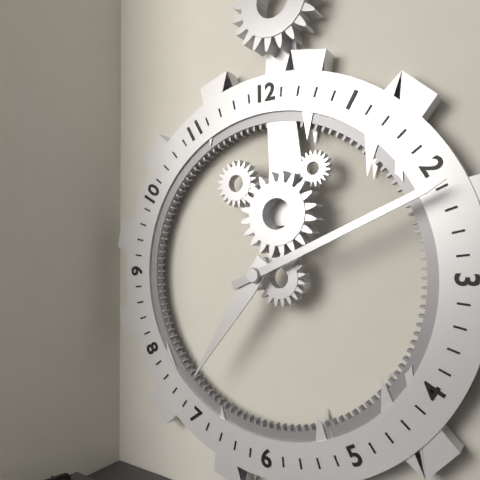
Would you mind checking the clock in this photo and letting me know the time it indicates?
7:11
